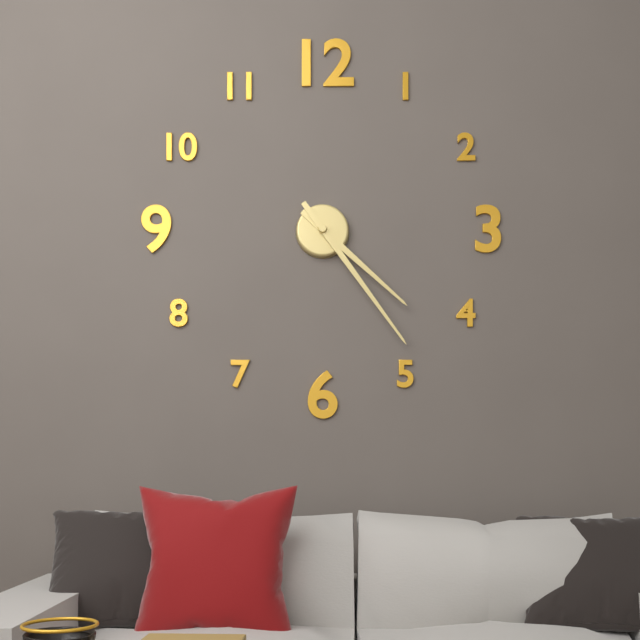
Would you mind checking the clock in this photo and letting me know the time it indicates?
4:24
